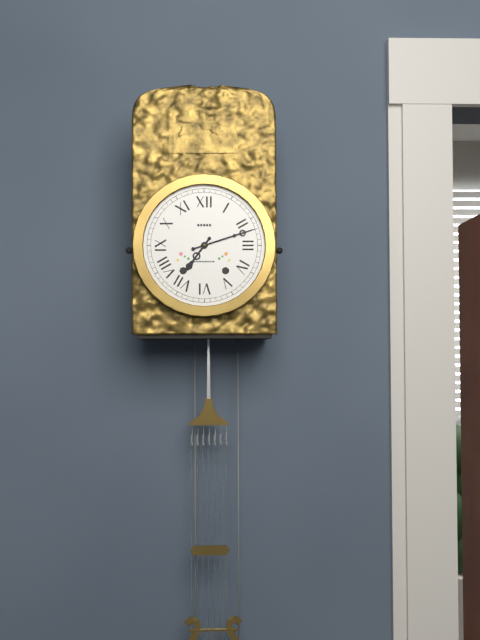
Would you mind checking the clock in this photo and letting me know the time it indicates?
7:12
